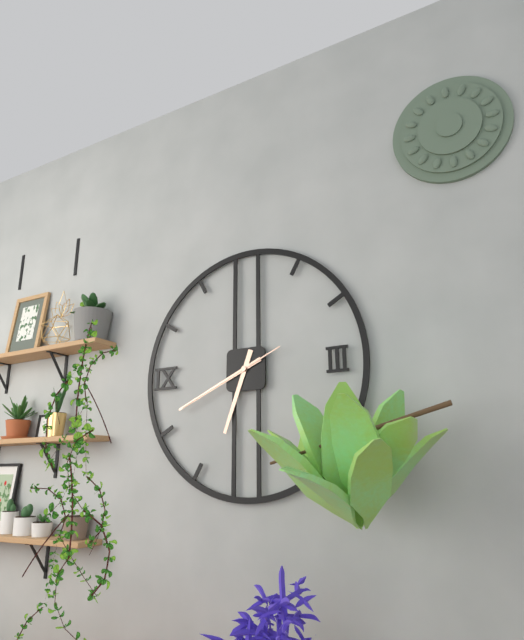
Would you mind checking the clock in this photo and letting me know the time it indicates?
6:41:41
